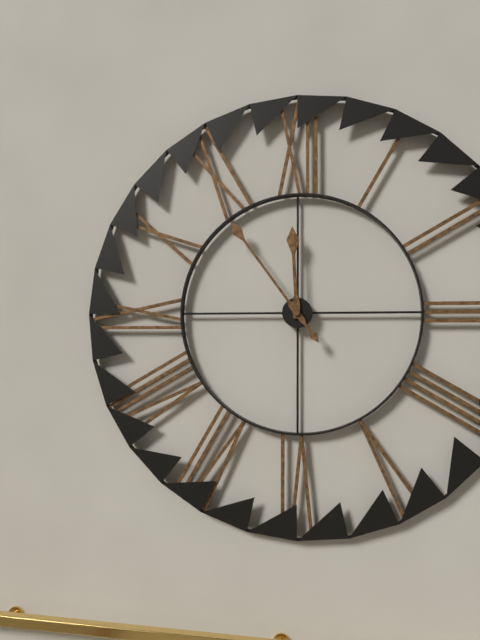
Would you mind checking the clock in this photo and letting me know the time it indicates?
11:54
